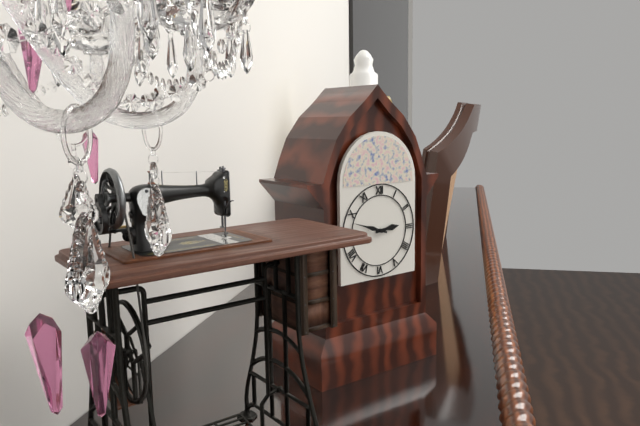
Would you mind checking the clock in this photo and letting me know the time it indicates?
2:48
